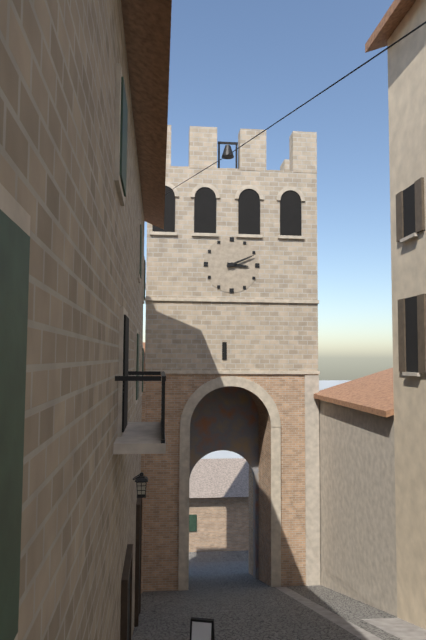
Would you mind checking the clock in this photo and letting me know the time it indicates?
3:11
